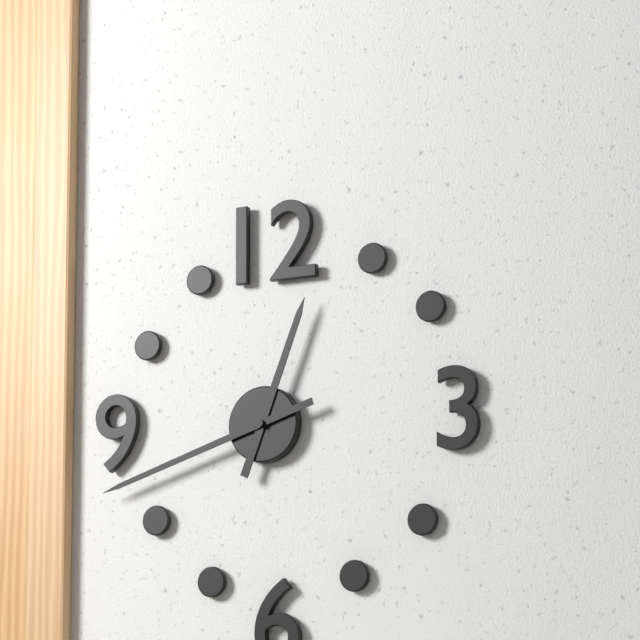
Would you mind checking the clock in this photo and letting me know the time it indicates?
12:42
